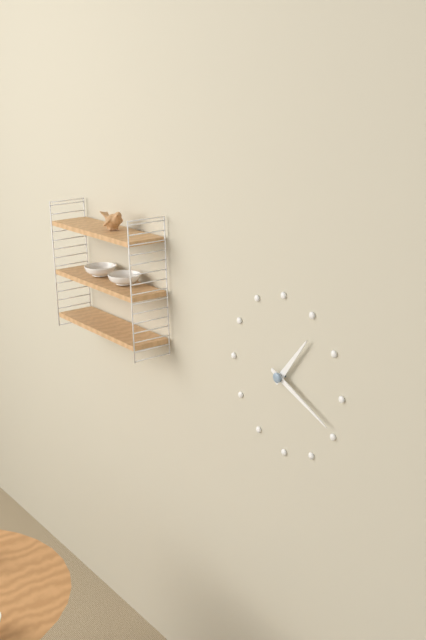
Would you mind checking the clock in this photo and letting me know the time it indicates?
1:19
